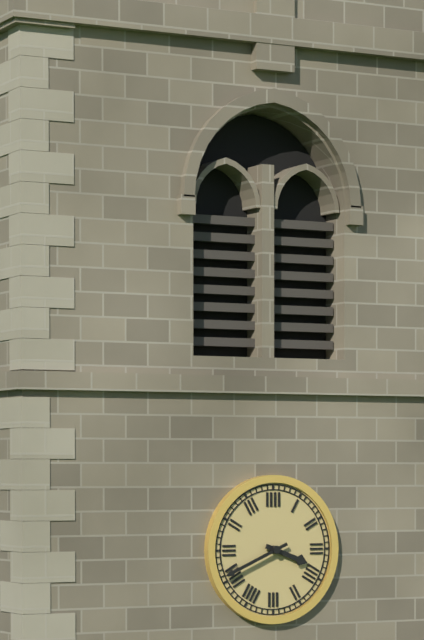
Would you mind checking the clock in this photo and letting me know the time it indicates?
3:41
